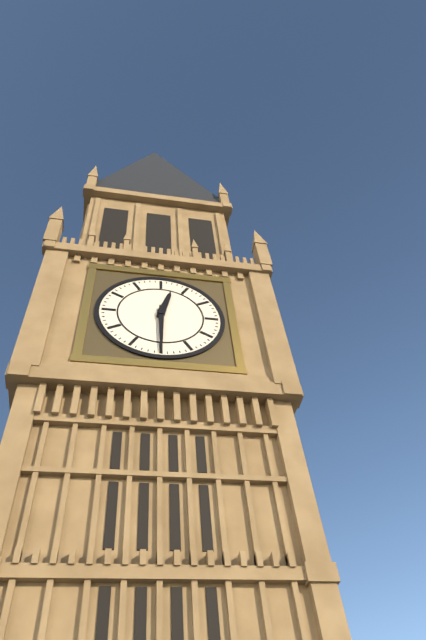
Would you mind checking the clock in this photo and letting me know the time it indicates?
12:30
